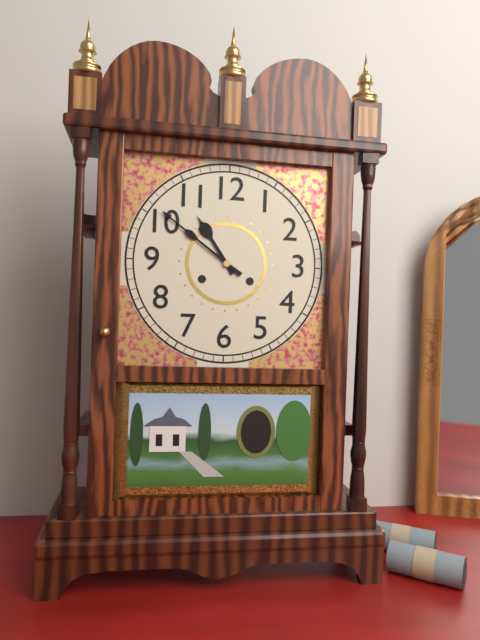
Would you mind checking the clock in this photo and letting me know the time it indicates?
10:51
